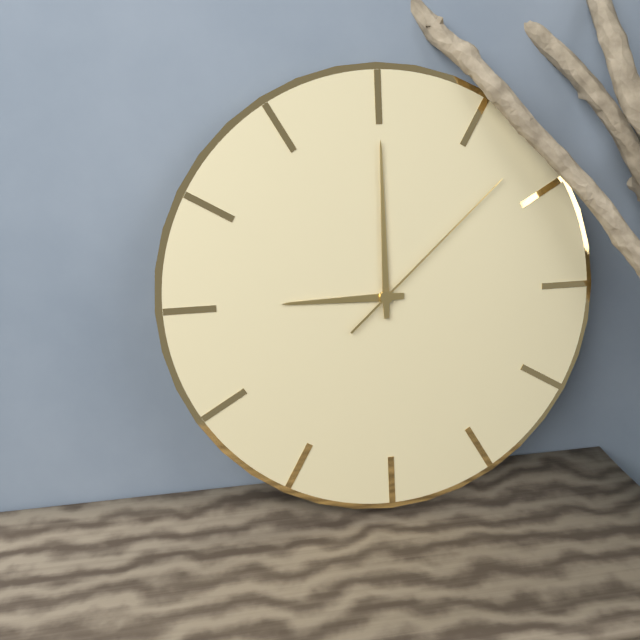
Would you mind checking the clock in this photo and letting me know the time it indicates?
9:00:08
